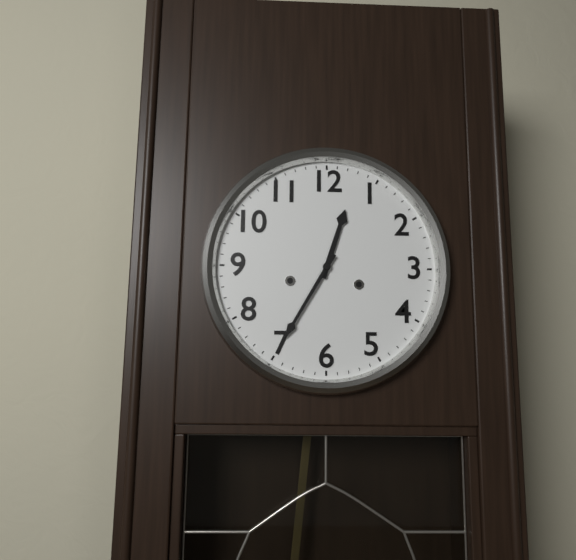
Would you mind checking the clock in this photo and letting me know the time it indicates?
12:35
